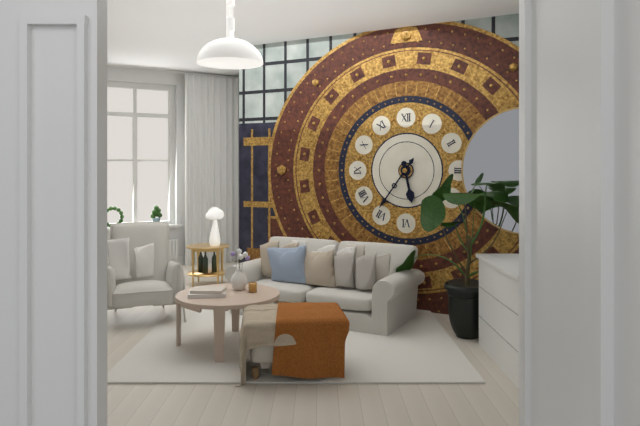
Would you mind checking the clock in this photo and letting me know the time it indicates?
5:36
